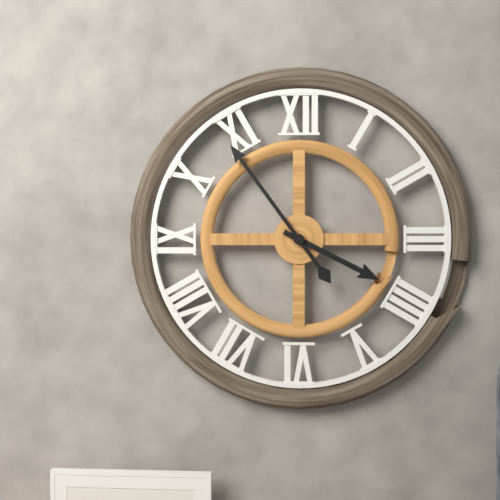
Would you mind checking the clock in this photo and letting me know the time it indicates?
3:54
